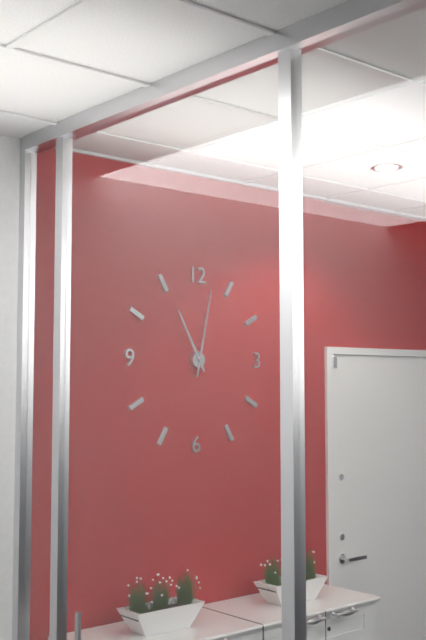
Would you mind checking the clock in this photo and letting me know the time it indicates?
11:02
